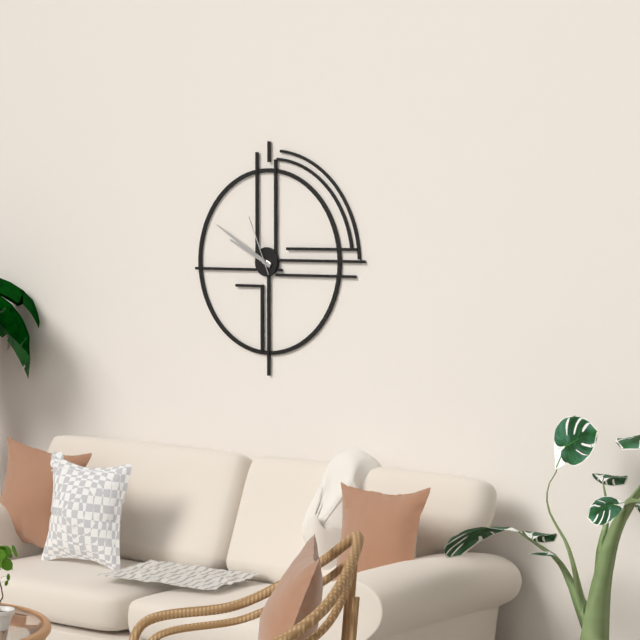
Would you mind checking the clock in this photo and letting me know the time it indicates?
9:50:56
